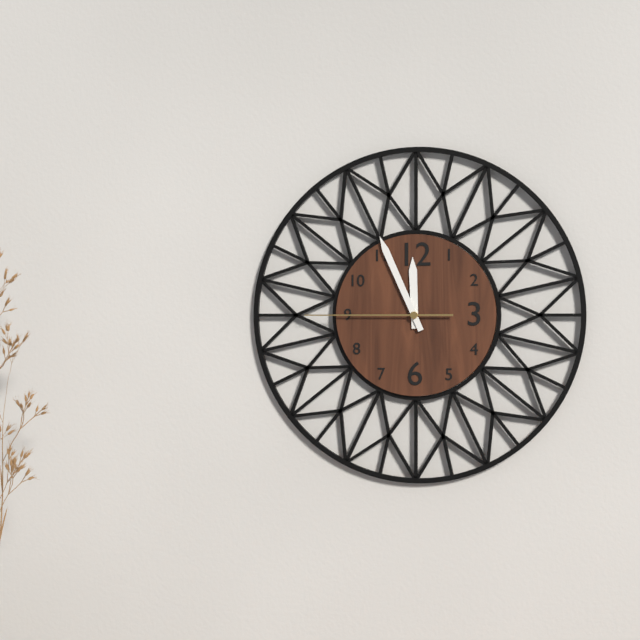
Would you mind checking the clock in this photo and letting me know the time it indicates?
11:56:45
